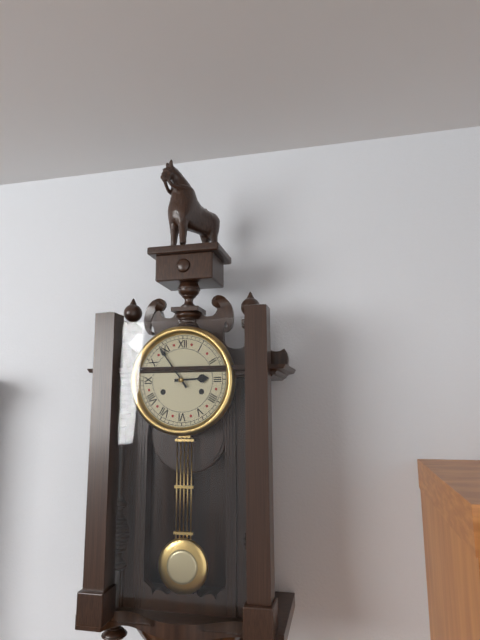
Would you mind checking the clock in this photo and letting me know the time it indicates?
2:54
